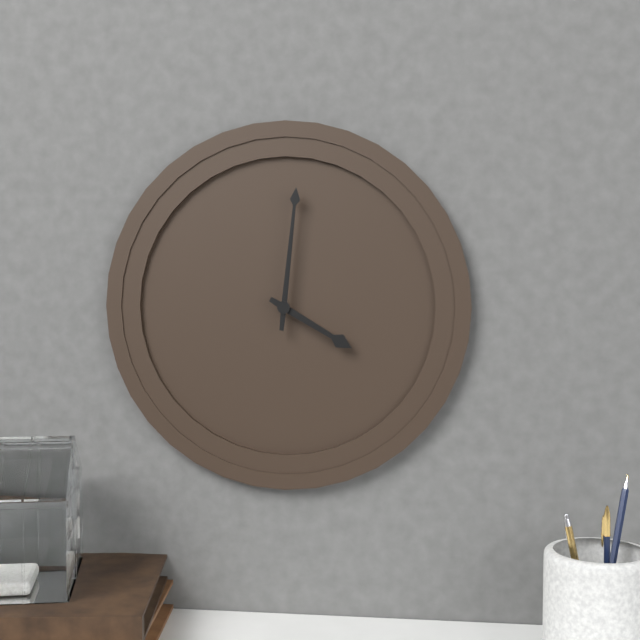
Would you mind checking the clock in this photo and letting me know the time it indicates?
4:01
